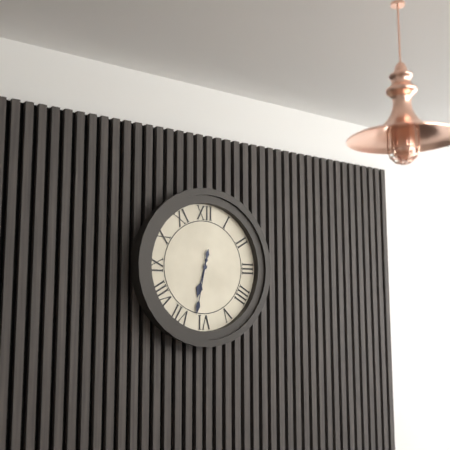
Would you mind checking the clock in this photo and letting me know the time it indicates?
6:32
